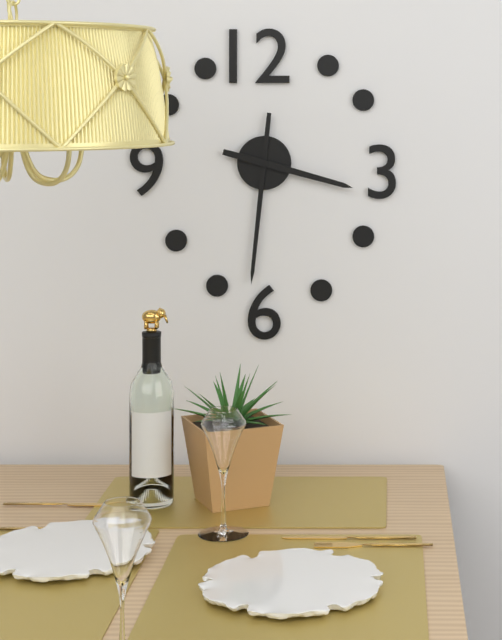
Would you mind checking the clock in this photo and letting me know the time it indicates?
3:31
